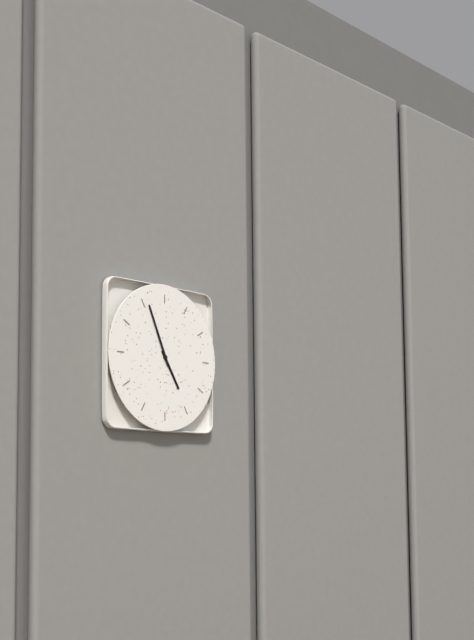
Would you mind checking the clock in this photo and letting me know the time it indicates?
4:56
